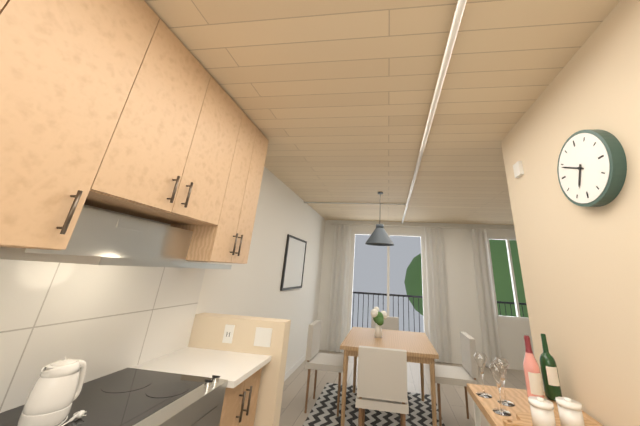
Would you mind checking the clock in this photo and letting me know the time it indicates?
6:49
